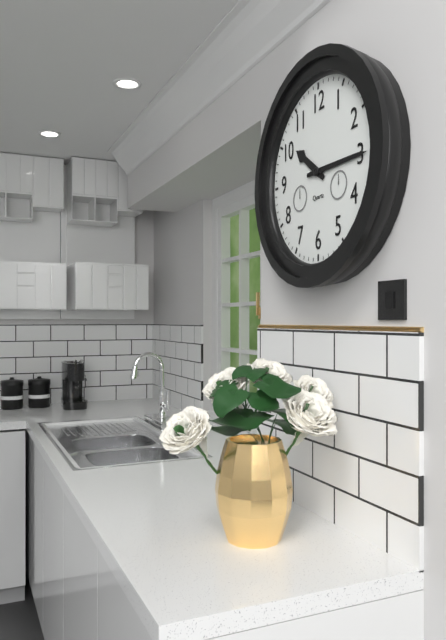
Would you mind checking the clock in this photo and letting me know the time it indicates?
10:15
